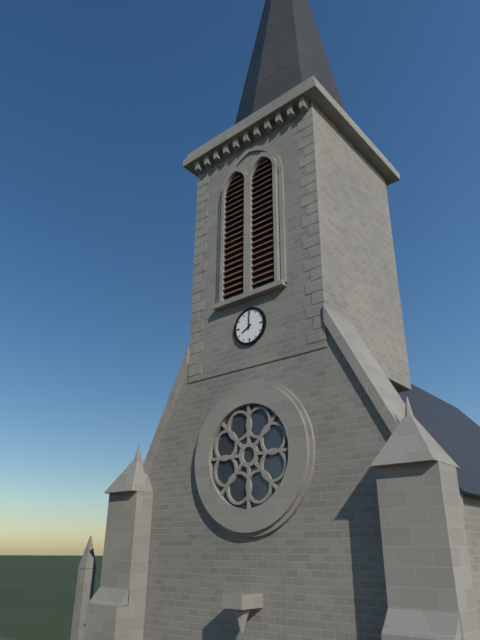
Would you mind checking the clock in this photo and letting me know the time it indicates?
8:00
